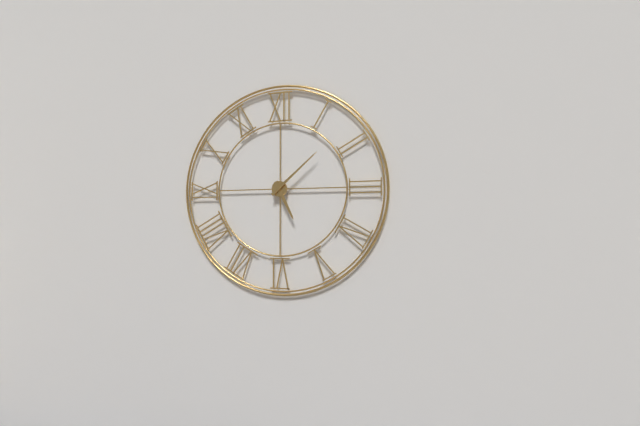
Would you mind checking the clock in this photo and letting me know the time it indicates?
5:08
